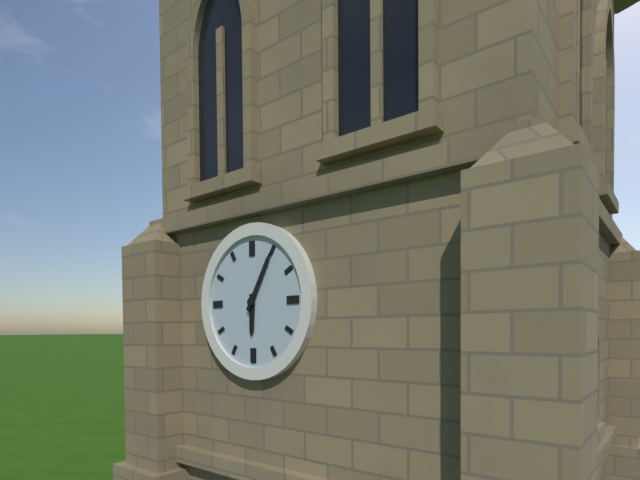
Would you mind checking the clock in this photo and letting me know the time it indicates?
6:05
